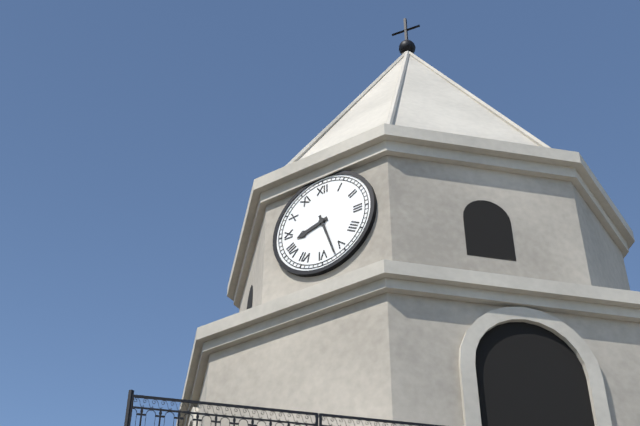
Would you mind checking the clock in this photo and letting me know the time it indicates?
8:27
